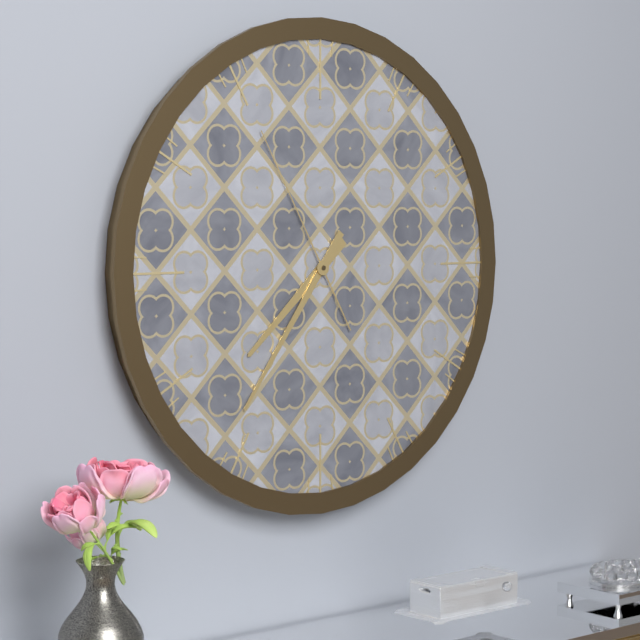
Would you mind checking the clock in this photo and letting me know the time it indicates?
7:36:55
